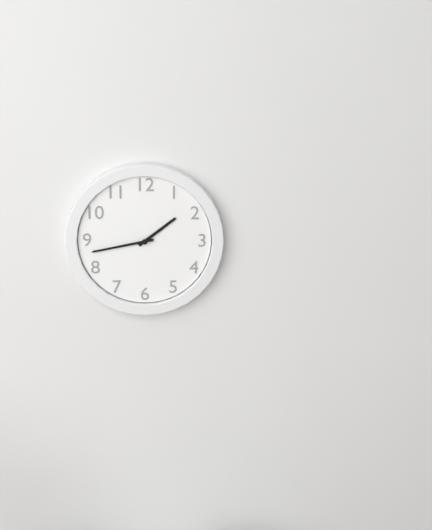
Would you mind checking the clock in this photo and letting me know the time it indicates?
1:43
